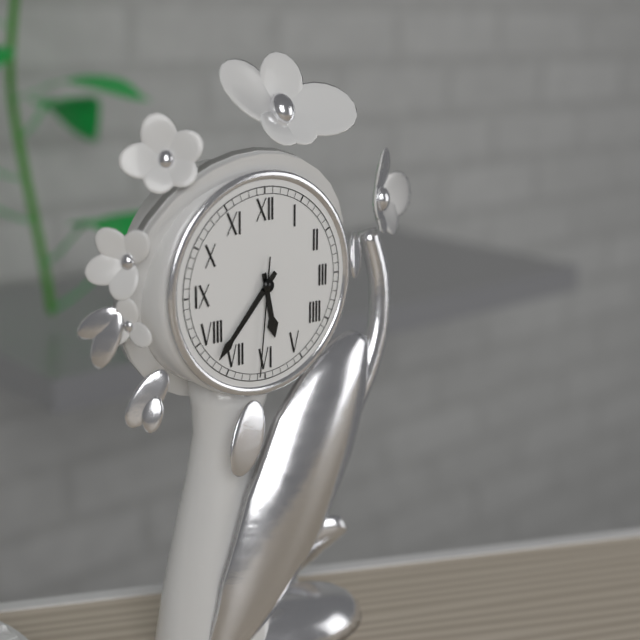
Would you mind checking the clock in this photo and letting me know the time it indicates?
5:37:31
